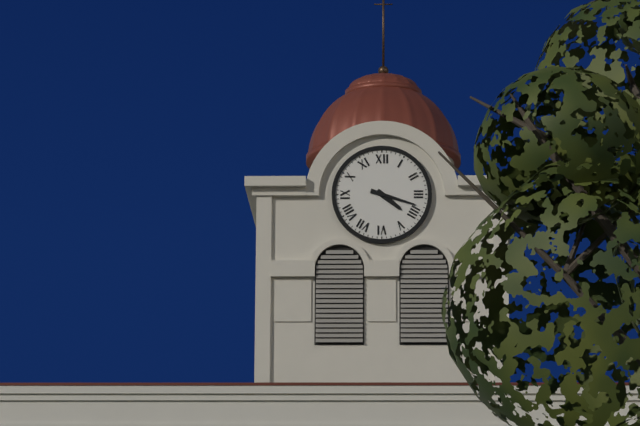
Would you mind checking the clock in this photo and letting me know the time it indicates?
4:18
